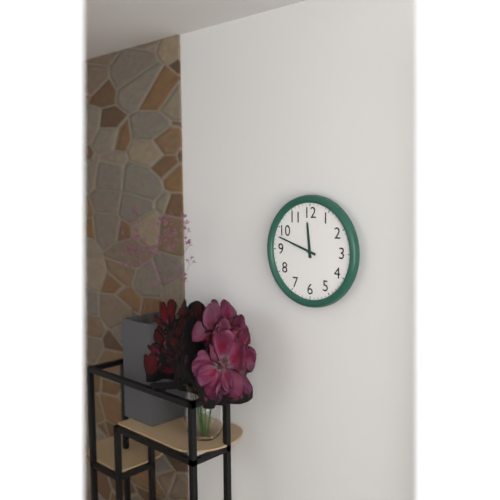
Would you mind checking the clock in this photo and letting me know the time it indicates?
11:48
